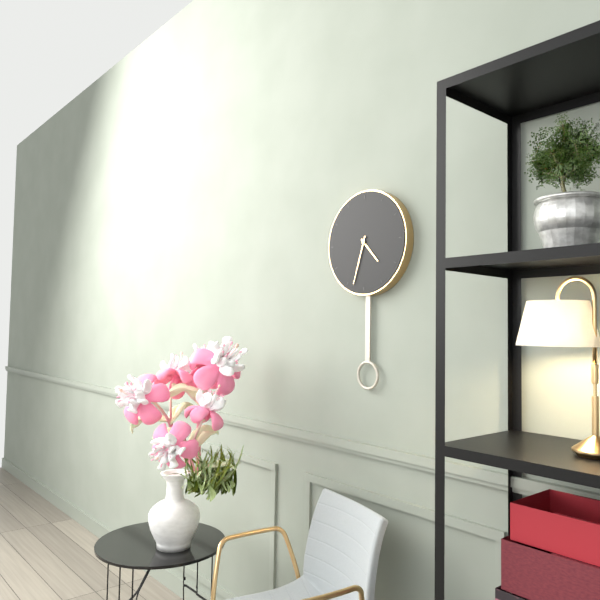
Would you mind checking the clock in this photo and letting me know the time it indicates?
4:33
